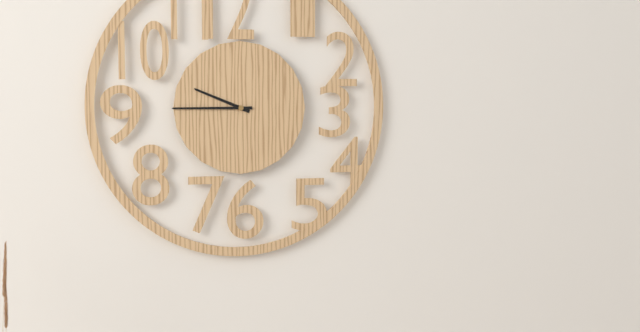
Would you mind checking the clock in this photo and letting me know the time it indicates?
9:45
